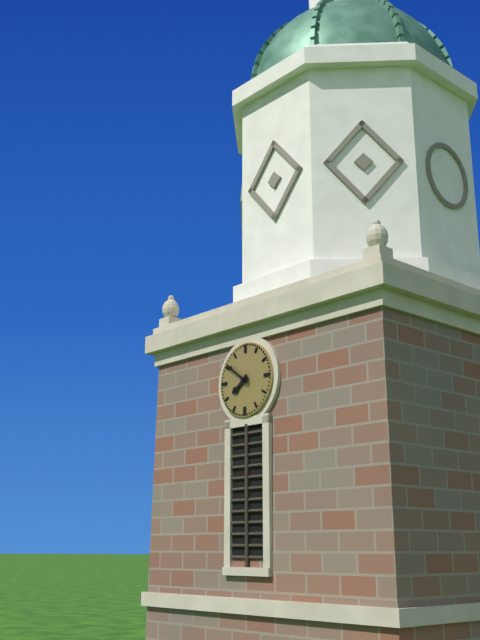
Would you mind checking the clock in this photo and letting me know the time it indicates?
7:51
